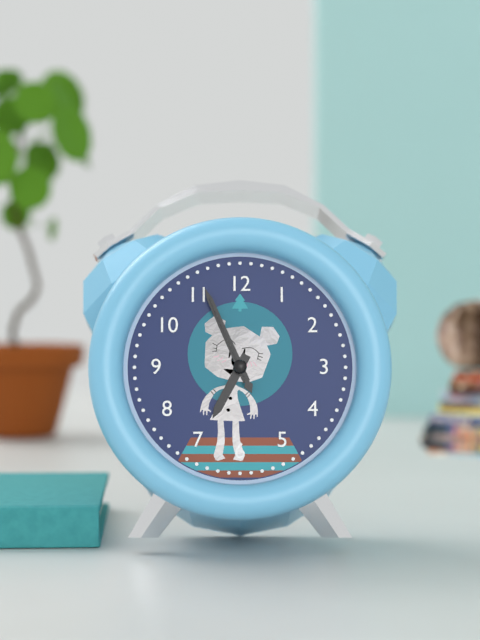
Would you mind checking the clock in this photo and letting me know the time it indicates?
6:56:56
